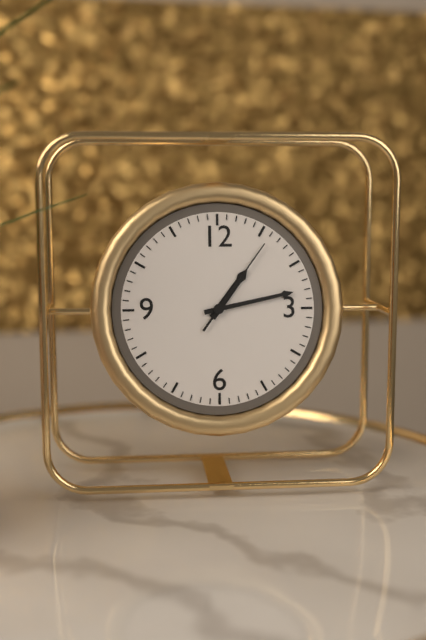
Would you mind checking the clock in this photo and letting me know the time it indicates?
1:13:06
